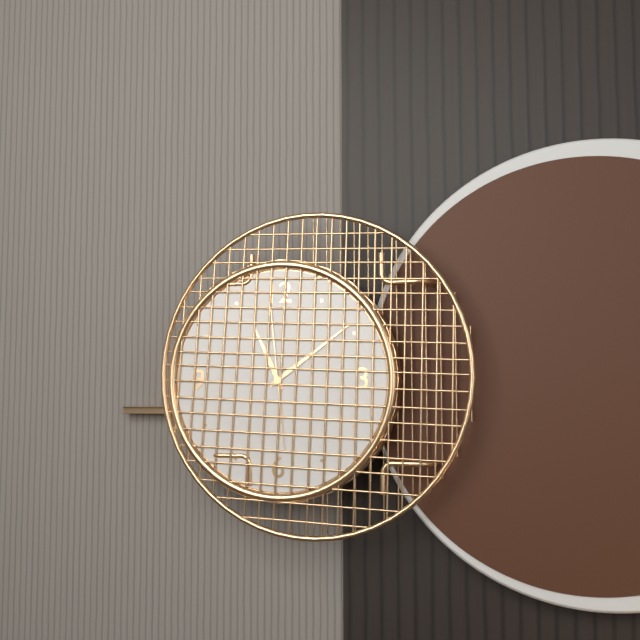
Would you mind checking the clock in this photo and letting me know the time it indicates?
11:09:59
